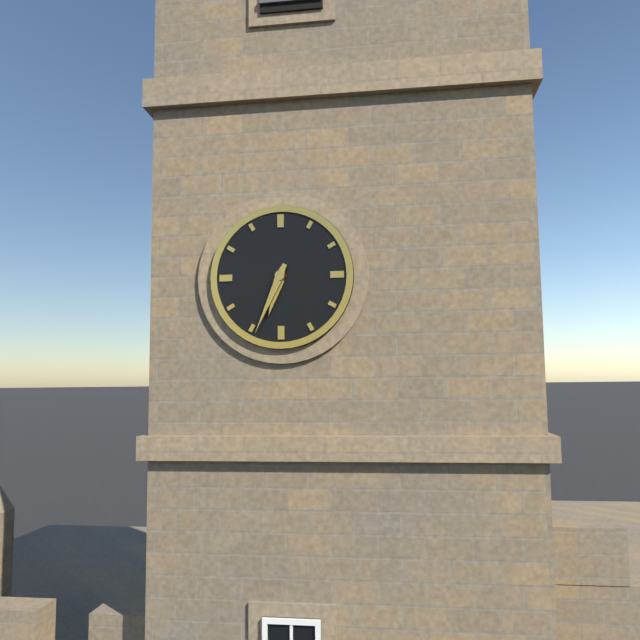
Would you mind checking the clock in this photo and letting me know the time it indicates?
6:34
